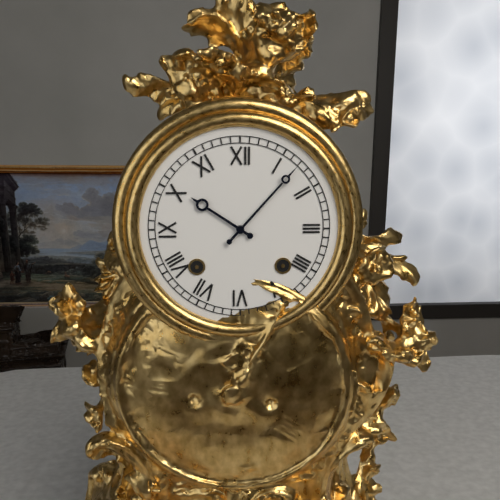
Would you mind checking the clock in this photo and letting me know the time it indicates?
10:07
